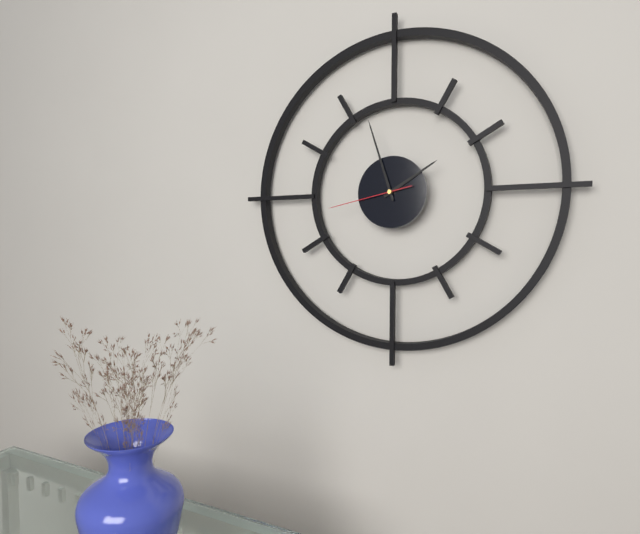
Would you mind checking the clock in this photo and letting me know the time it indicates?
1:57:43
